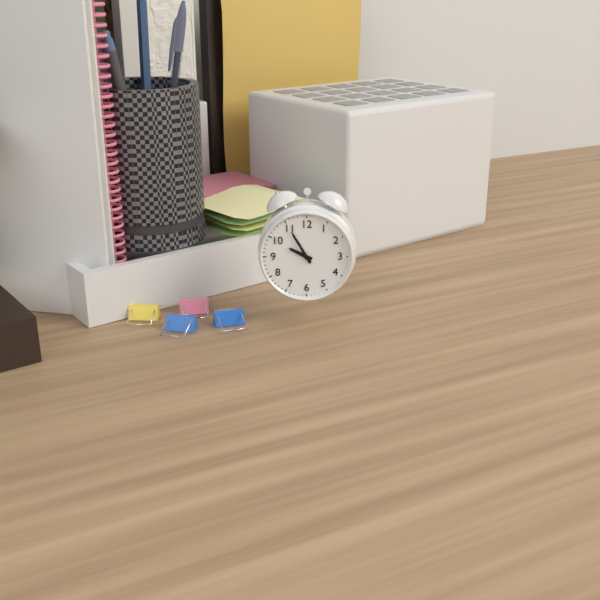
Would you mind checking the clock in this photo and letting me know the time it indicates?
9:55
